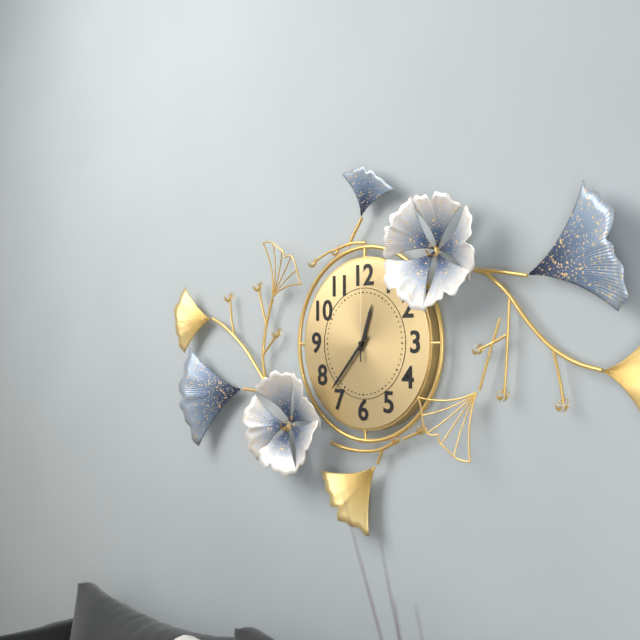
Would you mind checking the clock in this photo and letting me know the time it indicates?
12:37:00
